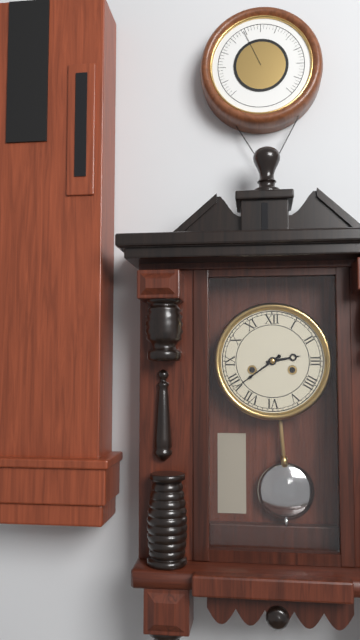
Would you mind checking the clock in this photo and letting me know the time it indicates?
2:39
